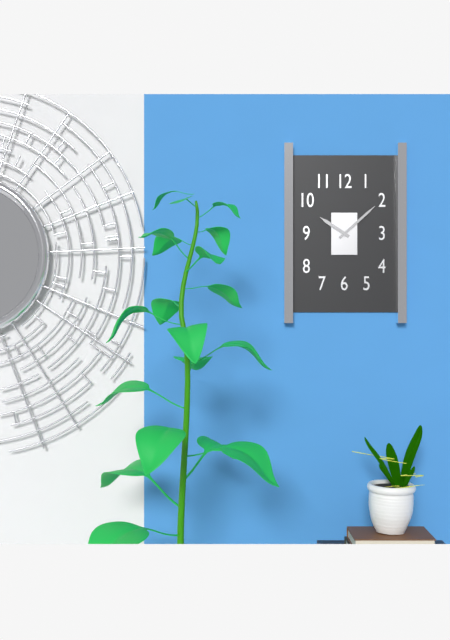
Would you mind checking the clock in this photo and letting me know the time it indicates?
10:08
